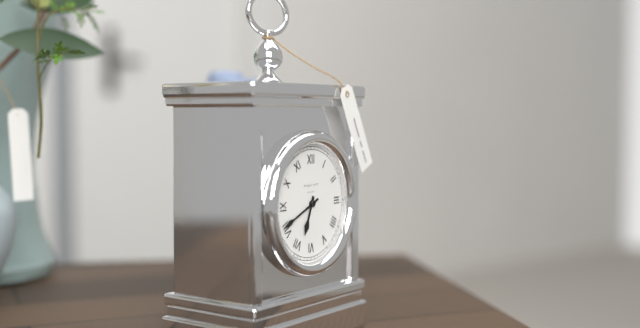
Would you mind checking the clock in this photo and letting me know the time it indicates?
6:41
